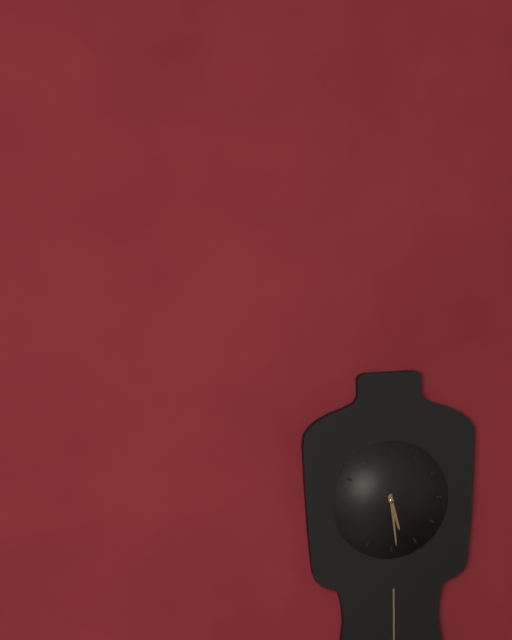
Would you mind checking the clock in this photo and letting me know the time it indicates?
5:29
